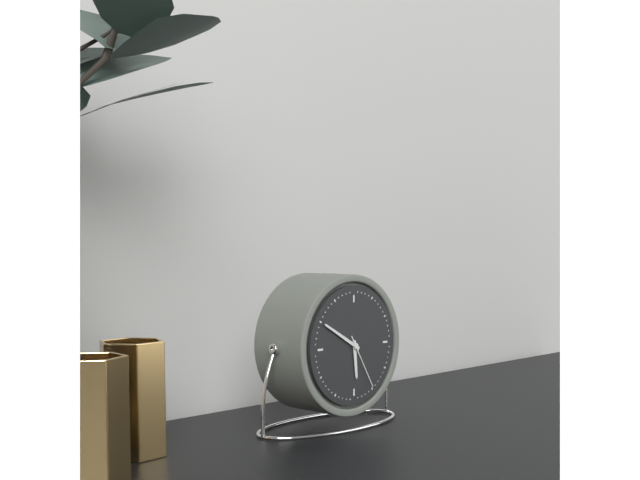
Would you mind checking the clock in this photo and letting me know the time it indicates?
5:50:25
